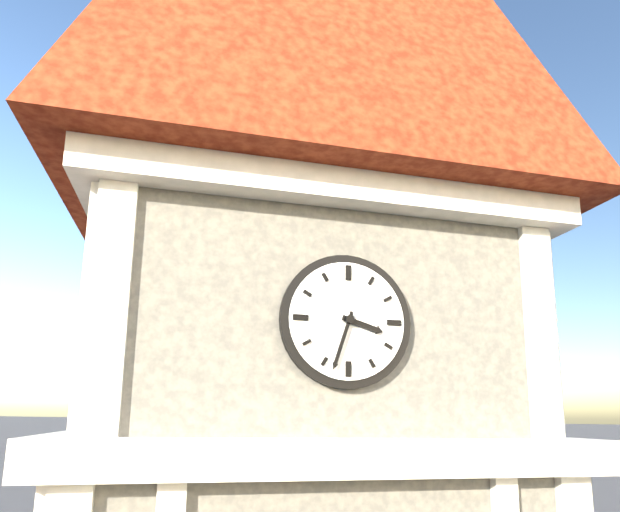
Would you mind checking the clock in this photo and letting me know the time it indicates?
3:33
